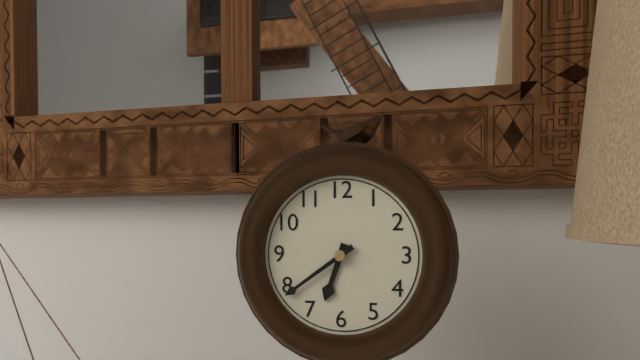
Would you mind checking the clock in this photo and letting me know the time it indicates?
6:39
